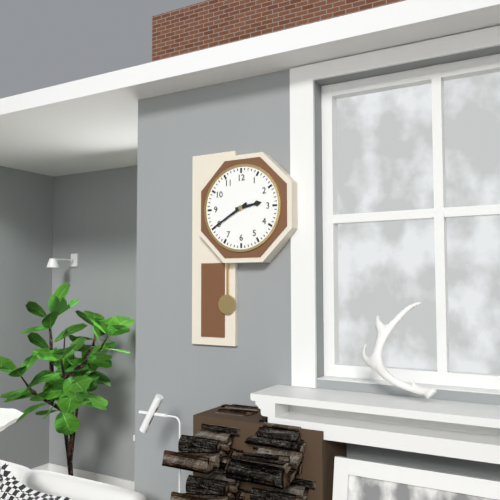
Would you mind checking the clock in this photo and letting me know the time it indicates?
2:40
